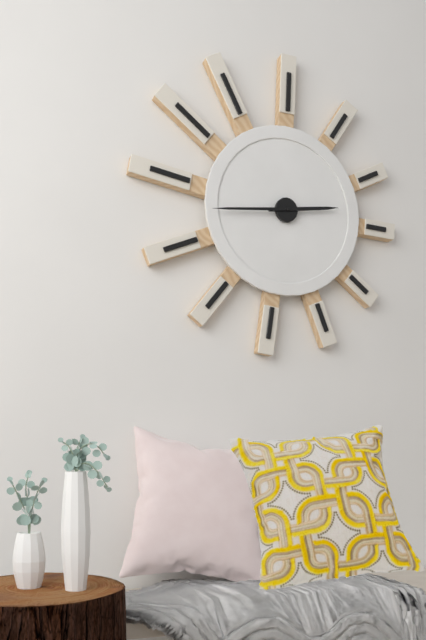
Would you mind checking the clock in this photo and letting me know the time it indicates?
2:44
